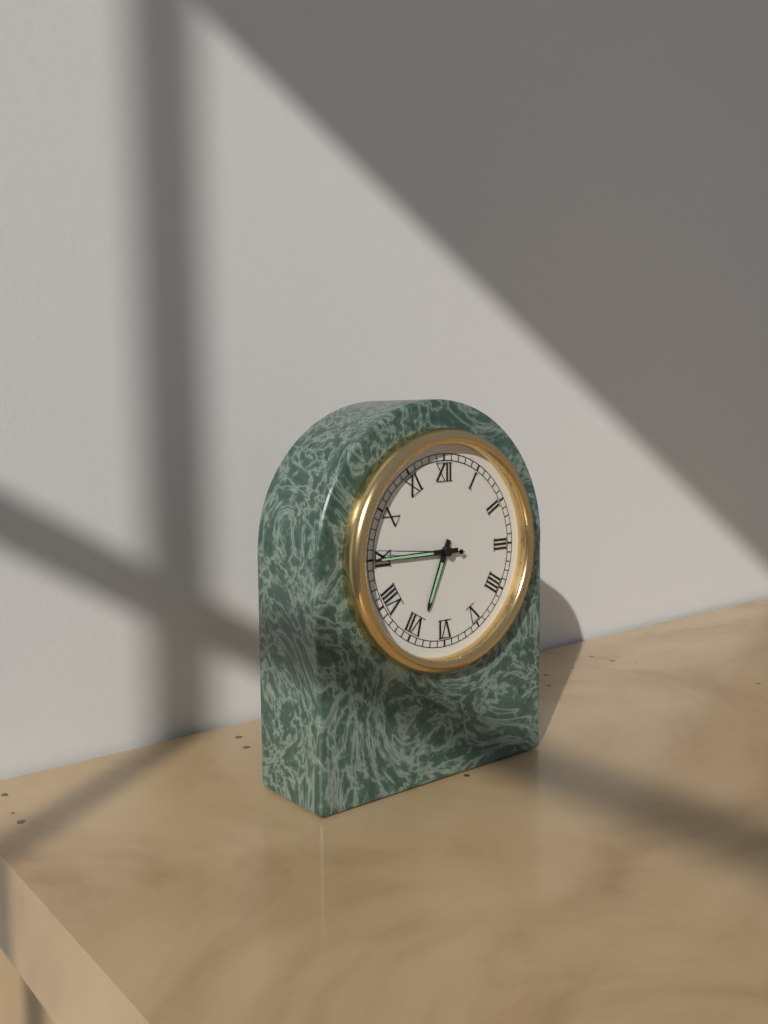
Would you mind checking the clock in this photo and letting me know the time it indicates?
6:45:46
